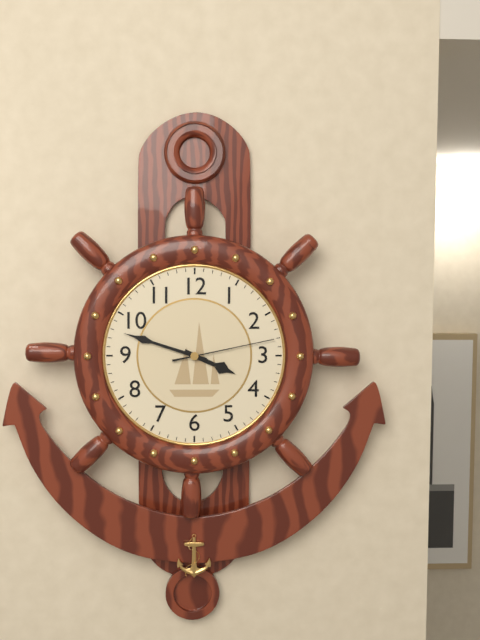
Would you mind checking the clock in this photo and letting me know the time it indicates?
3:48:13
